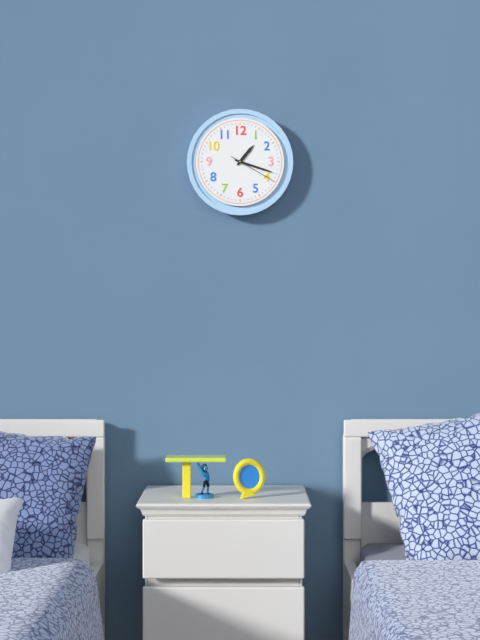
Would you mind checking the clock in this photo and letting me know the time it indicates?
1:18
